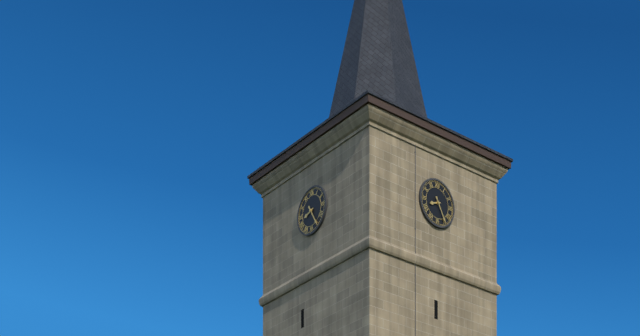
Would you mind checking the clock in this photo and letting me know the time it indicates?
8:25
